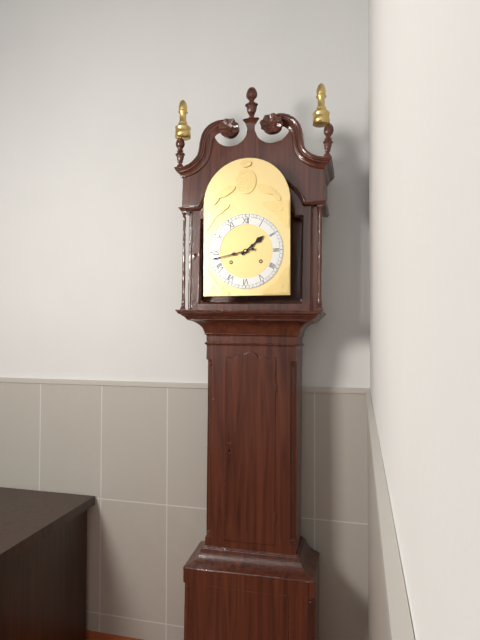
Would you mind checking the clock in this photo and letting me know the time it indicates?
1:43
